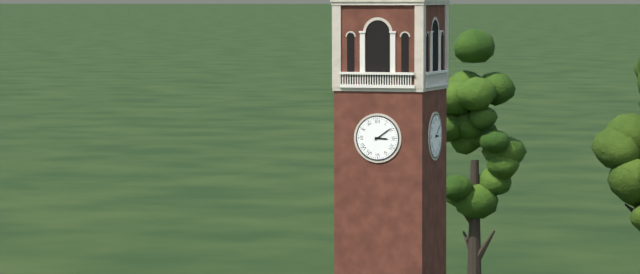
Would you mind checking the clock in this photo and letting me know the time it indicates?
3:09
